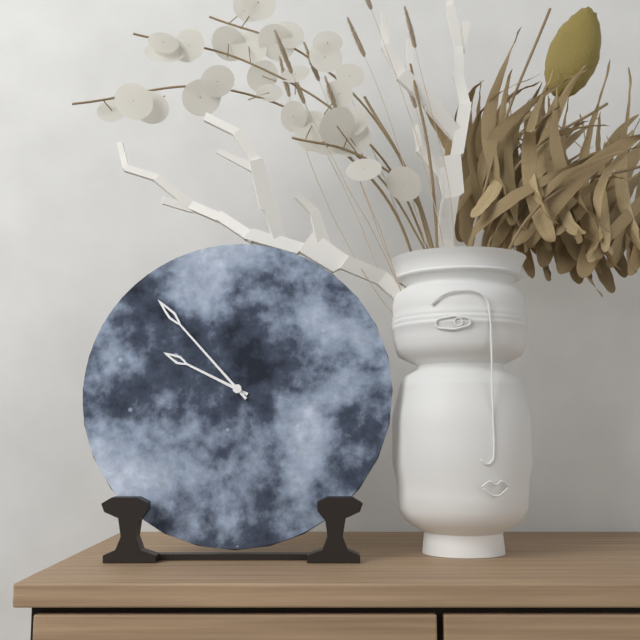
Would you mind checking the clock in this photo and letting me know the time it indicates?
9:53
